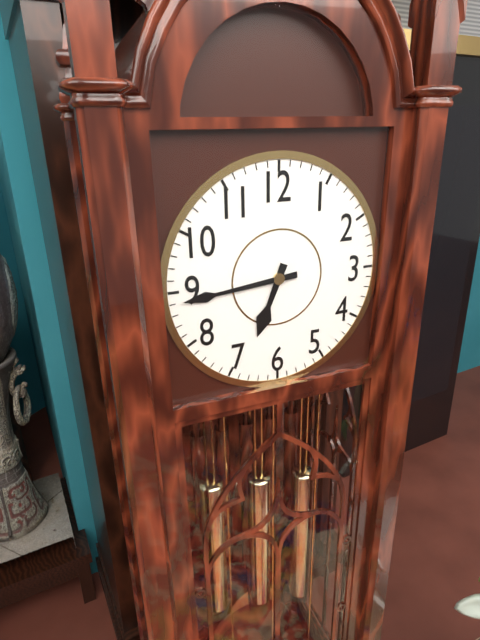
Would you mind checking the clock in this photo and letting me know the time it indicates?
6:44
